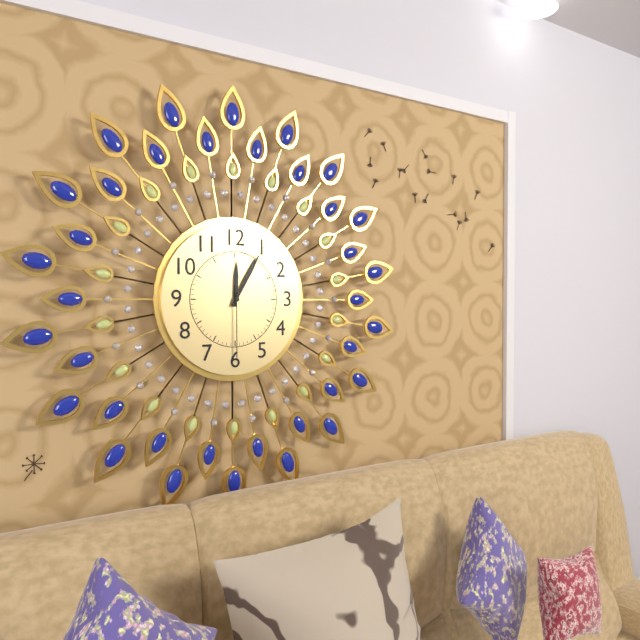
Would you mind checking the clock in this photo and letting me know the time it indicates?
12:05:30
